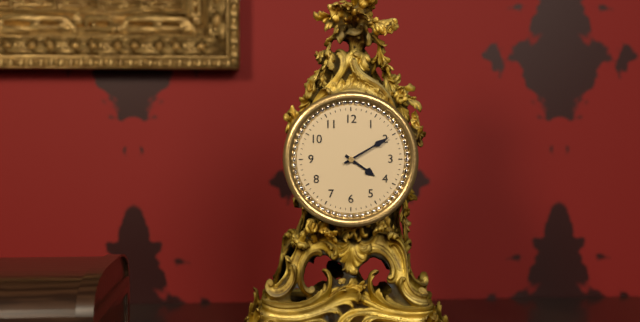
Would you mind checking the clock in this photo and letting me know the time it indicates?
4:10
